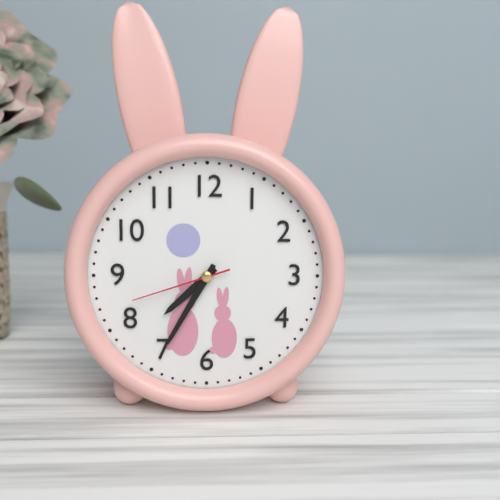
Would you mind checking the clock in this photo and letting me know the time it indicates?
7:35:42
